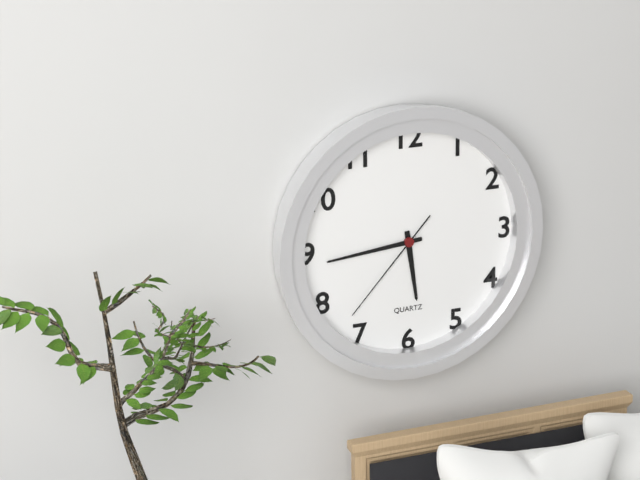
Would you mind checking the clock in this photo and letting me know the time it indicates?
5:44:37
